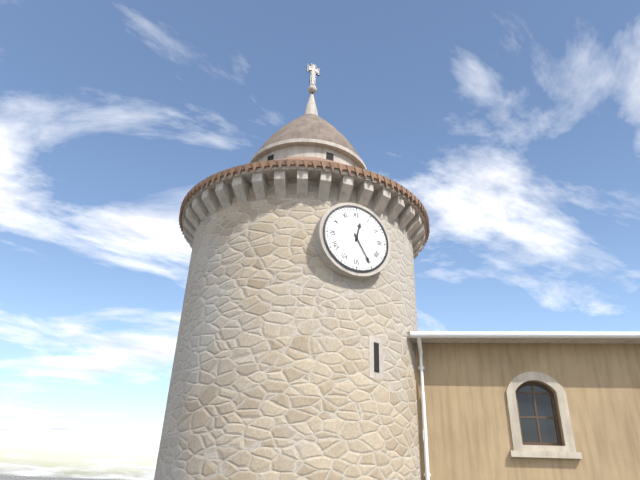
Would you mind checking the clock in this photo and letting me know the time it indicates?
12:25
